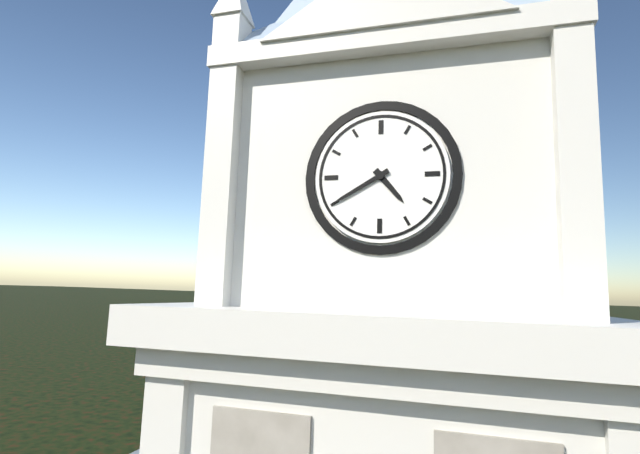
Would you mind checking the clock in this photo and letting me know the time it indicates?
4:40
